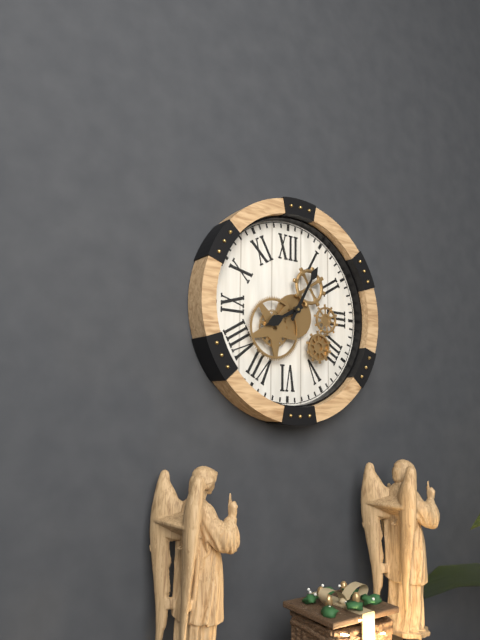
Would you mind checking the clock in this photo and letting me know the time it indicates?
8:05
